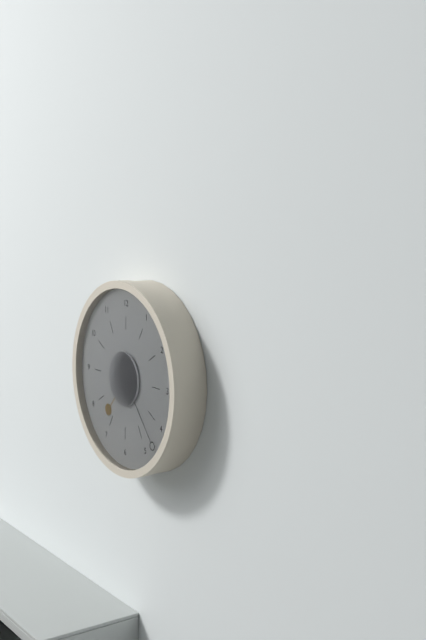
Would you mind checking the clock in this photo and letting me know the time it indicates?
7:23
